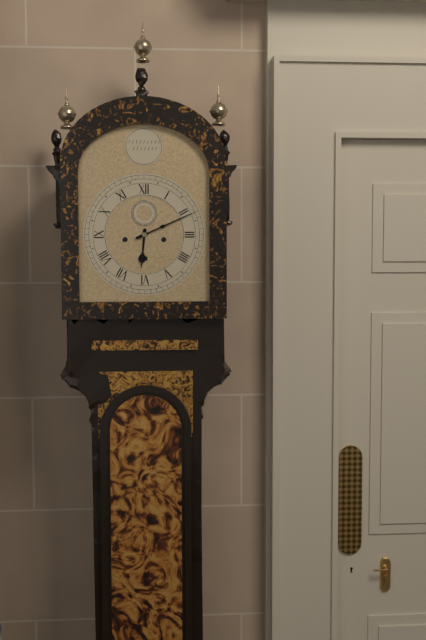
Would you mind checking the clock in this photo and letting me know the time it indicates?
6:11
